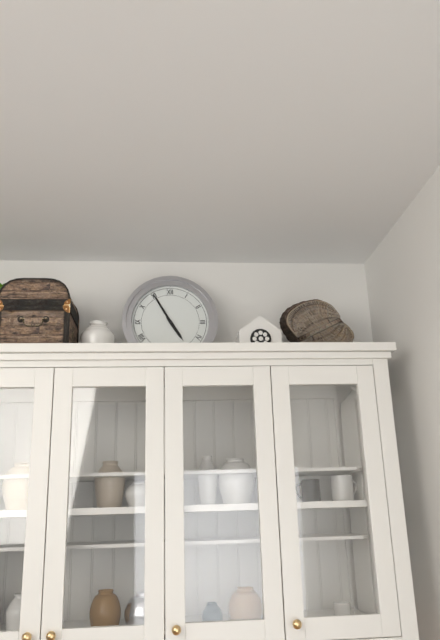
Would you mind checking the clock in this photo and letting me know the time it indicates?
4:55
